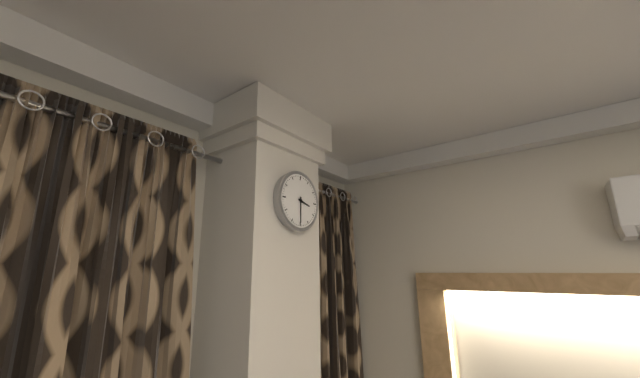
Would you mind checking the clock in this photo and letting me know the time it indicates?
3:30
